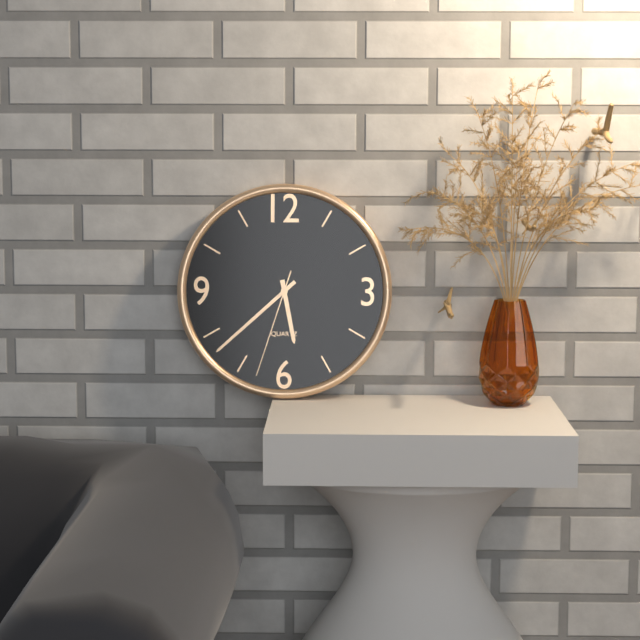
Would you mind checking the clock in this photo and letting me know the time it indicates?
5:38:33
